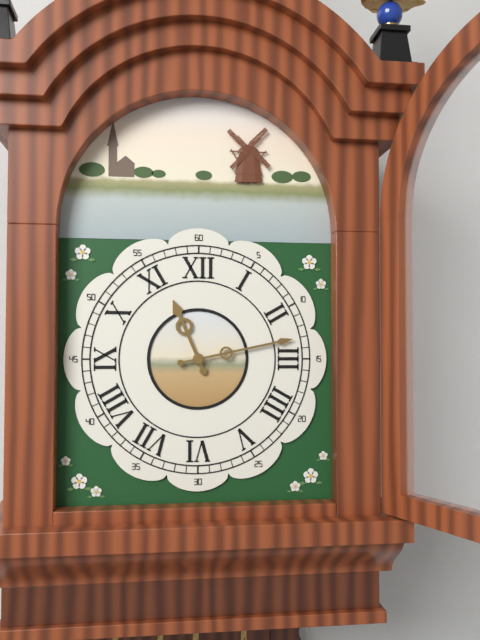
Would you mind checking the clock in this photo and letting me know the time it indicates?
11:13
